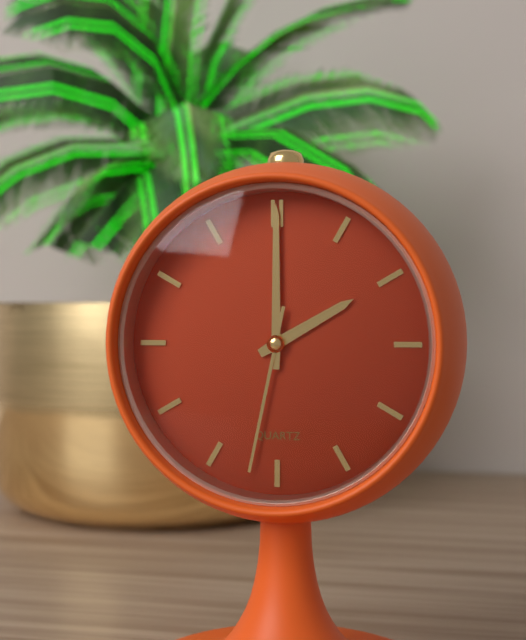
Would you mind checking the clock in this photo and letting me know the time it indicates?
2:00:32
